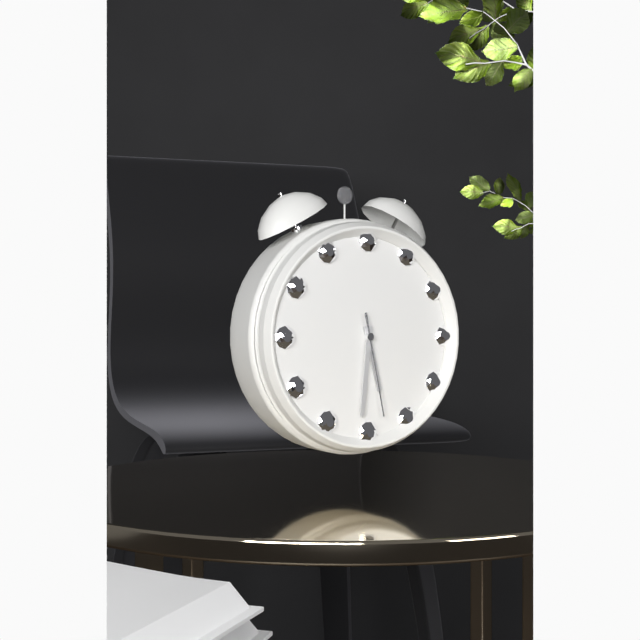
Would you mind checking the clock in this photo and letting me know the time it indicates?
5:31:28
